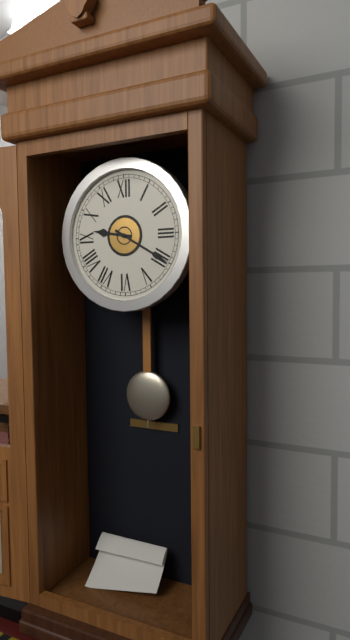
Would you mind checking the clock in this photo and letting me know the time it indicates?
9:20
